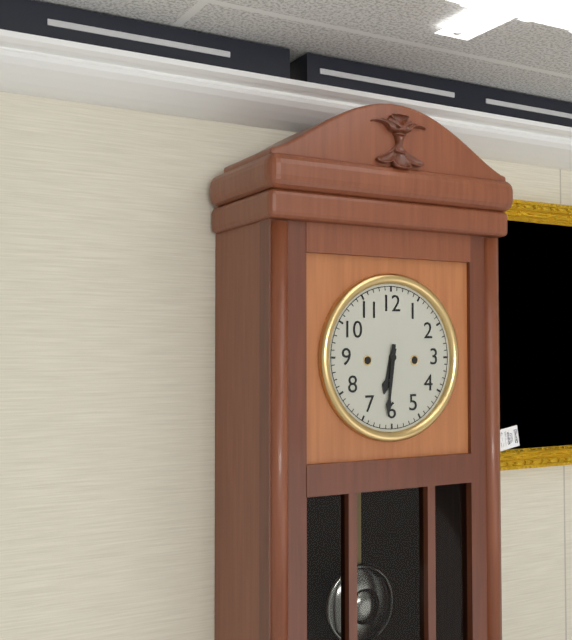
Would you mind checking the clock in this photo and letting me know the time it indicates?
6:31
